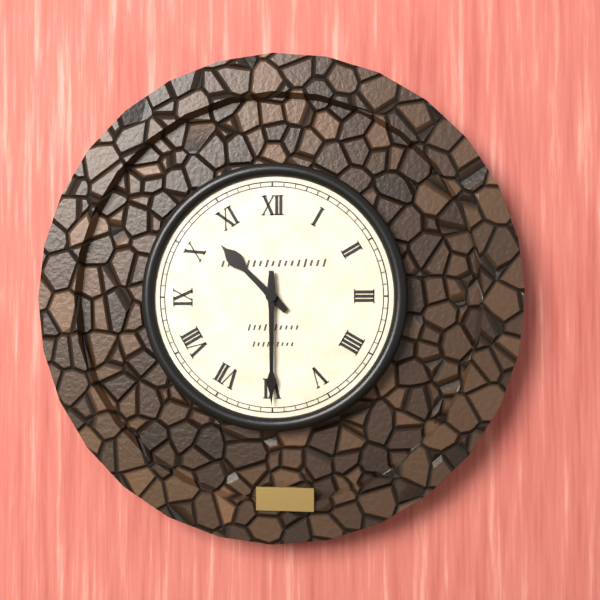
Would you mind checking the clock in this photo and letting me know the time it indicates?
10:30
